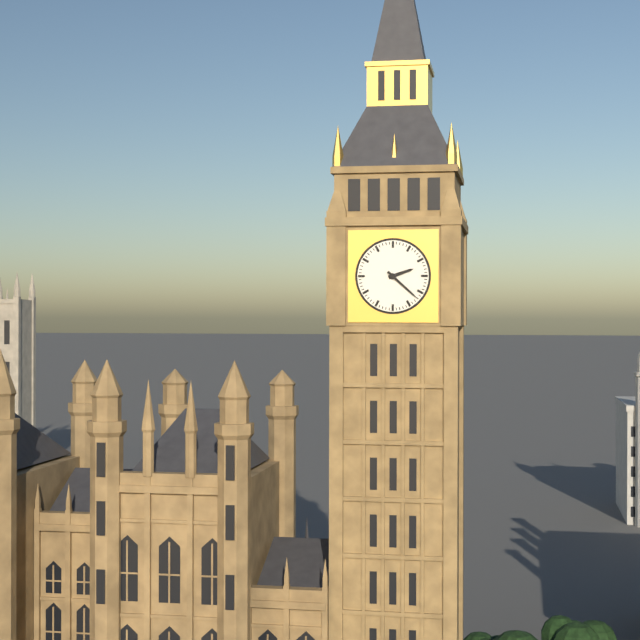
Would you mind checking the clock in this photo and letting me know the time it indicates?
2:22
